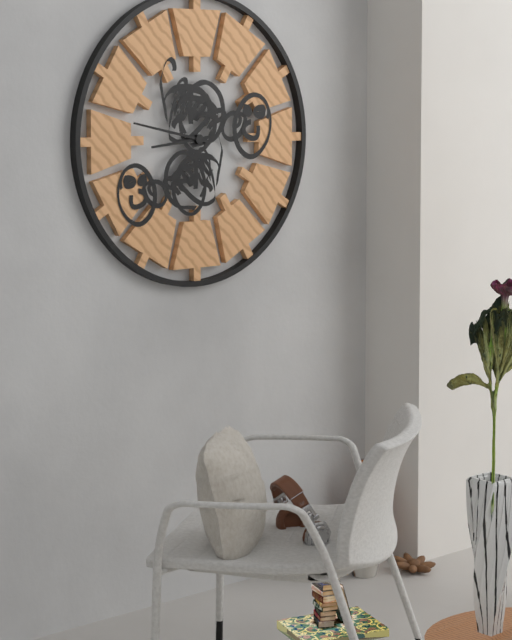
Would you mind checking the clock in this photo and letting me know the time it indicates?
8:47
